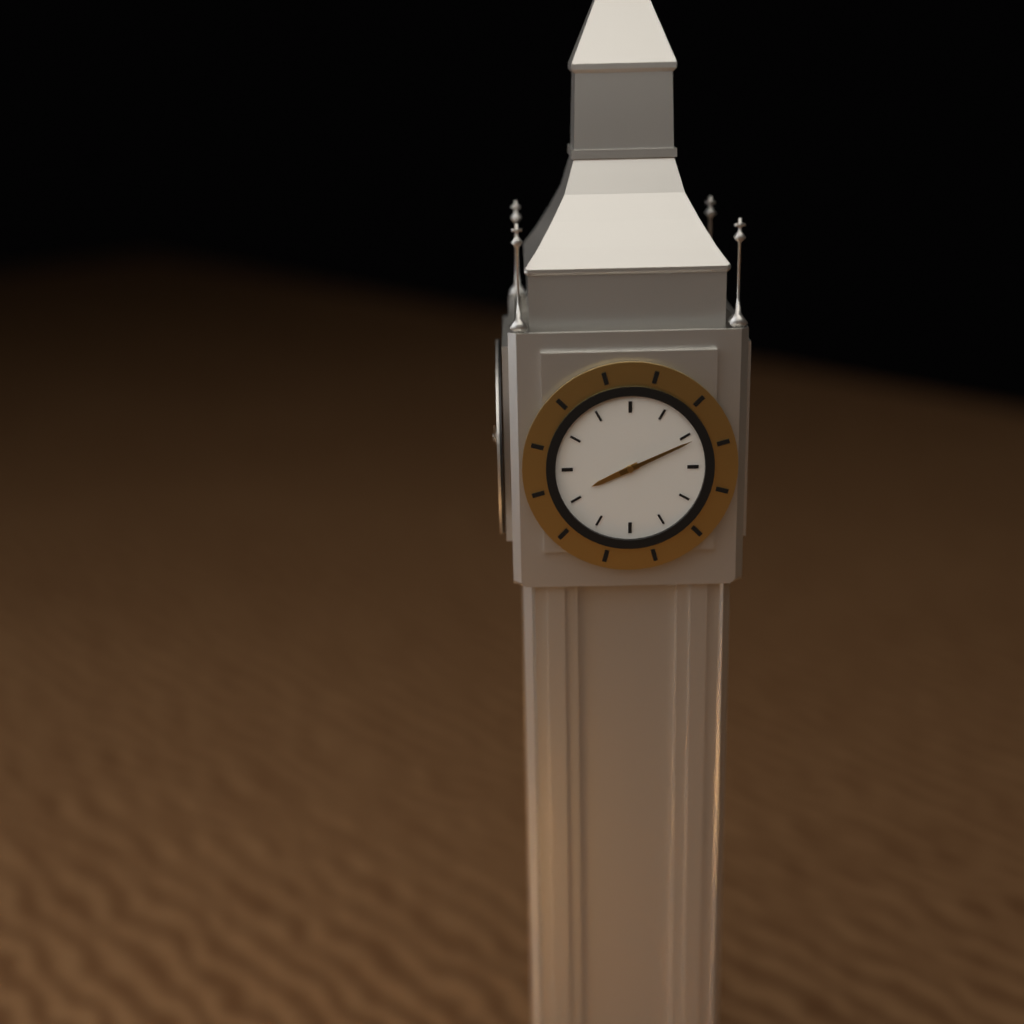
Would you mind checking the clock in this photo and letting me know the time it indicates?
8:11
